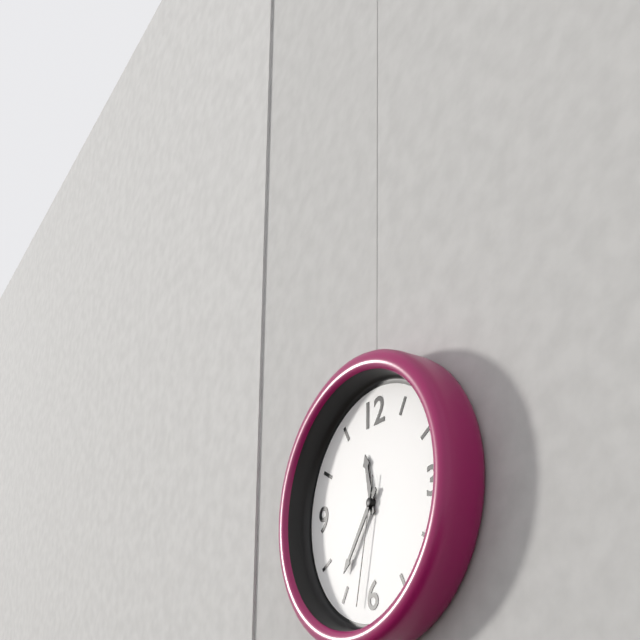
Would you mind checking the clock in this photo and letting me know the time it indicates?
11:36:32
